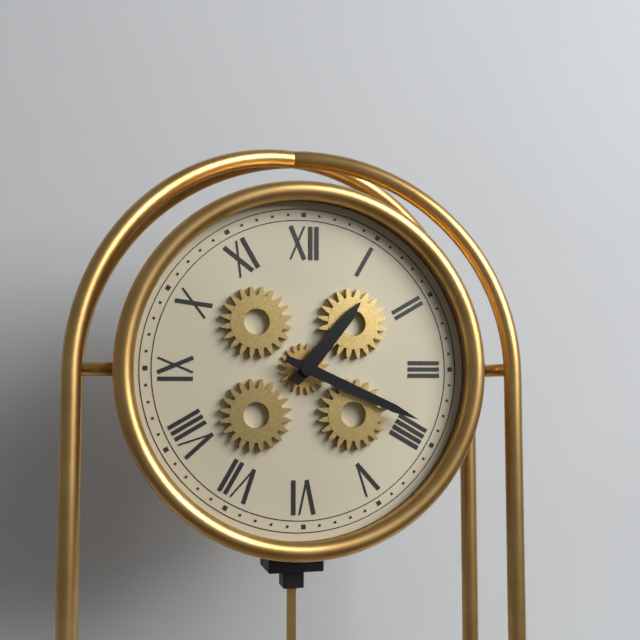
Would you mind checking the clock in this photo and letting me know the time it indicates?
1:19
